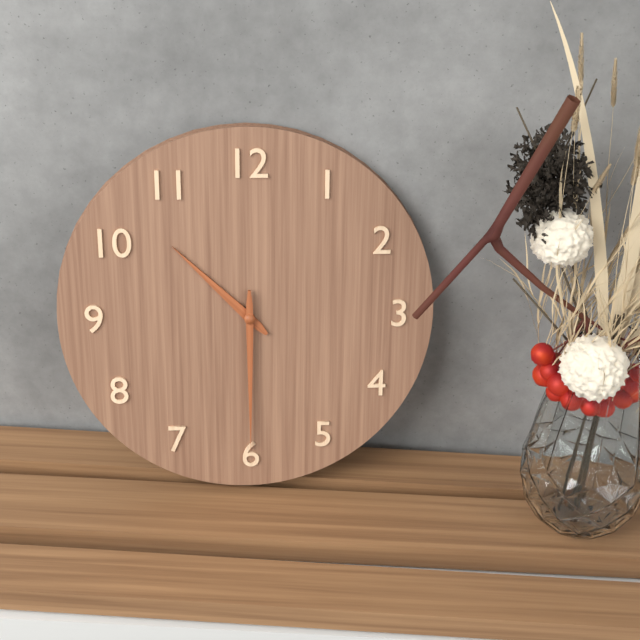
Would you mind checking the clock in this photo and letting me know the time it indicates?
10:30
